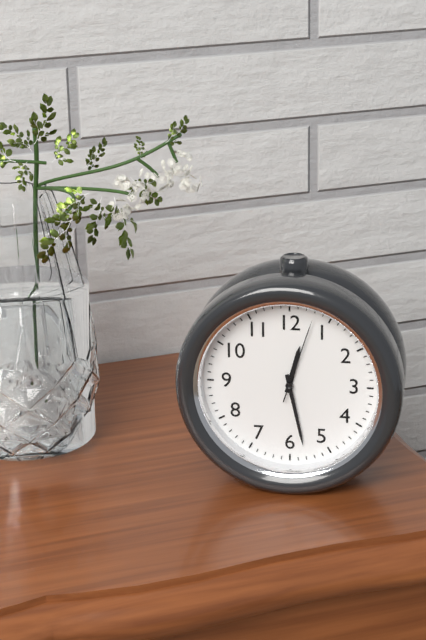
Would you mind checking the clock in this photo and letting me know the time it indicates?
12:28:03
